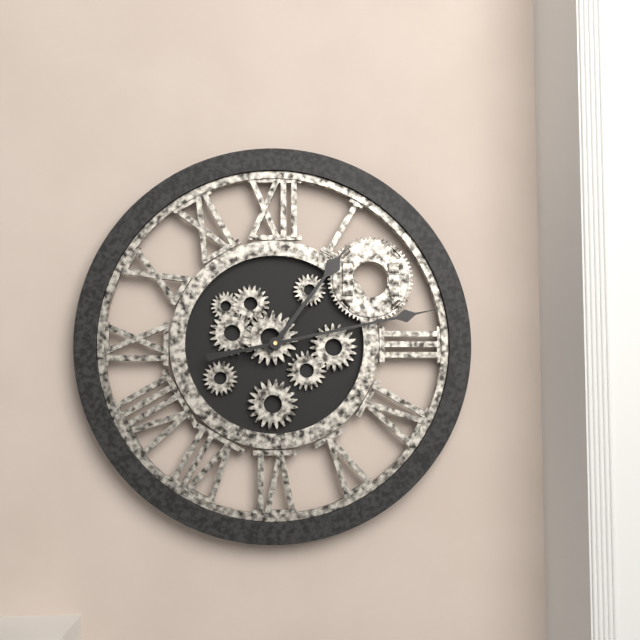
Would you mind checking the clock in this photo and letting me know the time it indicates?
1:13
